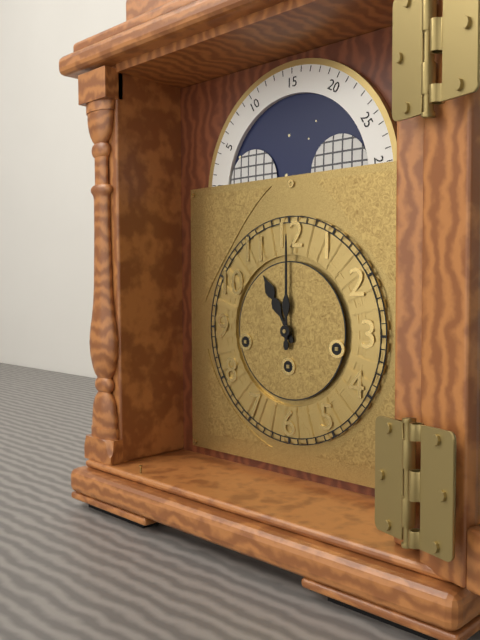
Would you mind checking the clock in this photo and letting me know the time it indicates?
11:00
